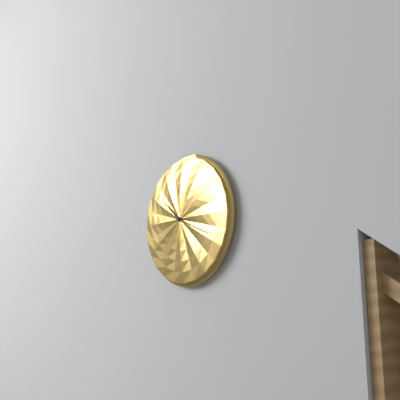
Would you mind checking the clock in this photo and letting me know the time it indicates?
10:19
